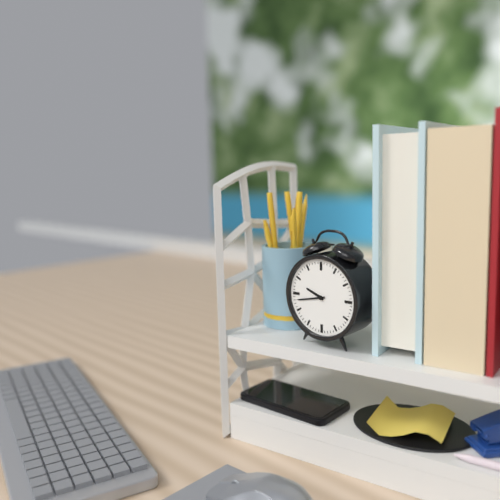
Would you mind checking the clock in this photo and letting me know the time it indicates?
9:43
